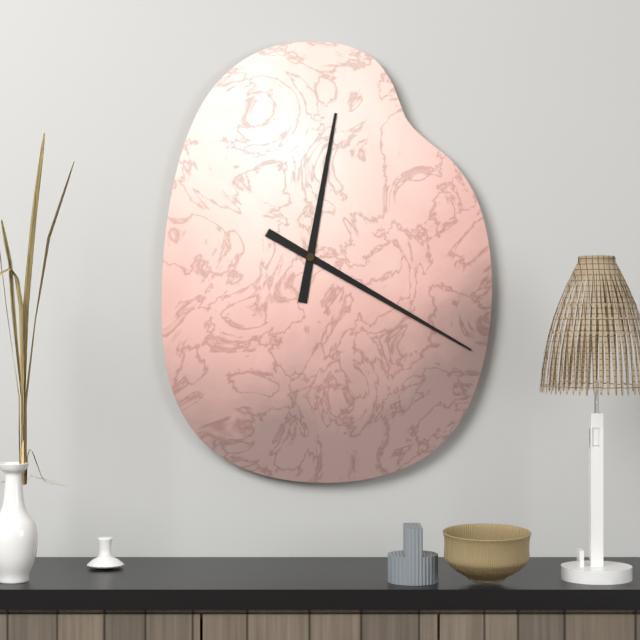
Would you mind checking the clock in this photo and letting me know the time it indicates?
12:20
